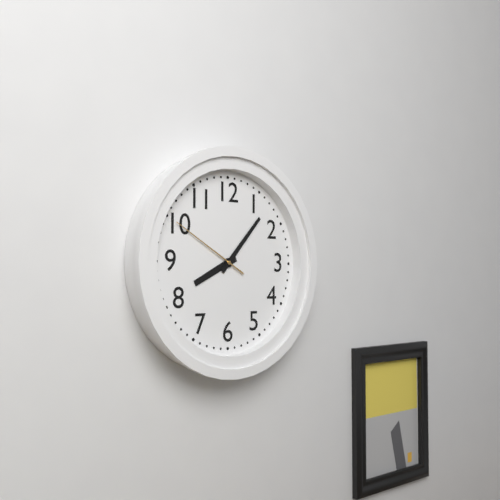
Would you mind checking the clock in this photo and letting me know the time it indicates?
8:07:50
